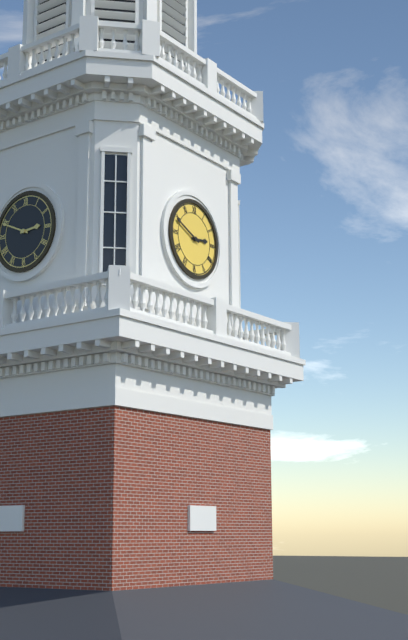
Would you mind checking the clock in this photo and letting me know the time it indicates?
2:49
